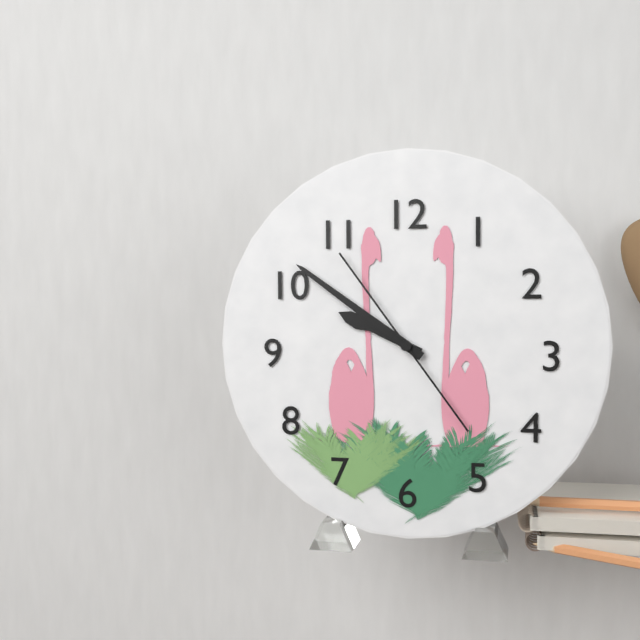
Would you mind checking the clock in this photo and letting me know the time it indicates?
9:51:54
